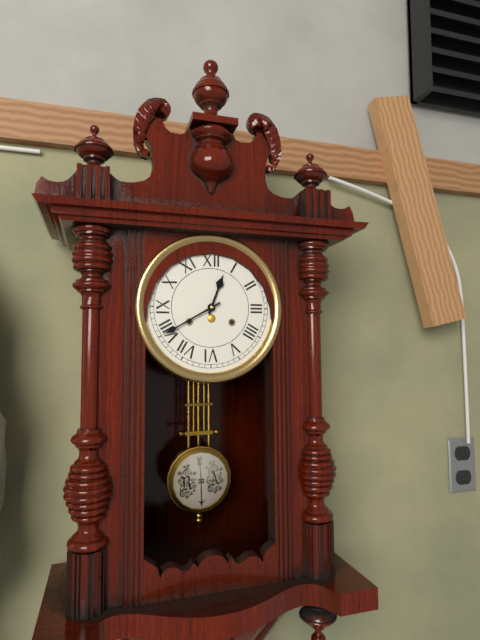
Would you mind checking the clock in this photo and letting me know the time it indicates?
12:40
